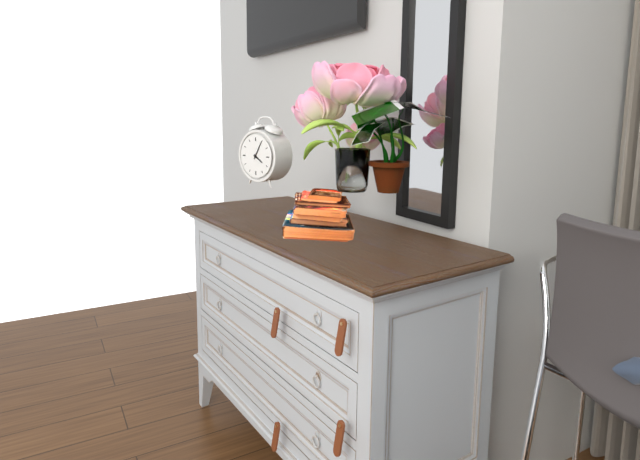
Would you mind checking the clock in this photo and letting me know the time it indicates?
4:05
